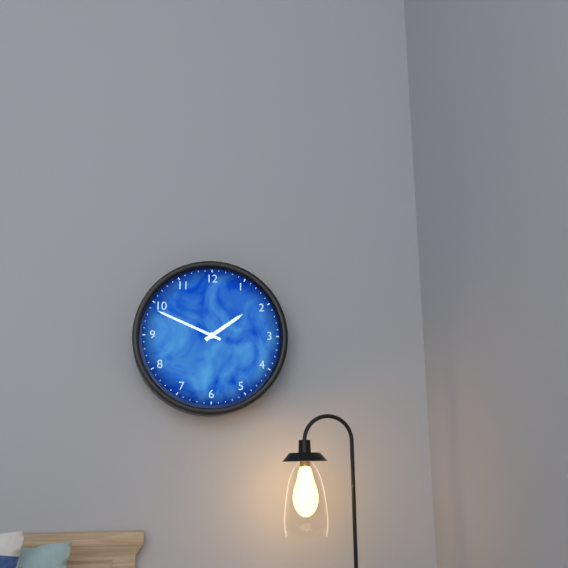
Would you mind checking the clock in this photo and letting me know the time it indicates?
1:49
